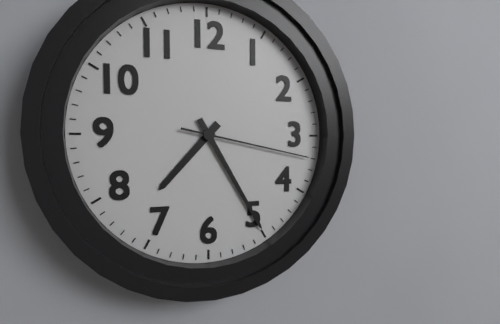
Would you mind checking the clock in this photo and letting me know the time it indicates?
7:25:17
